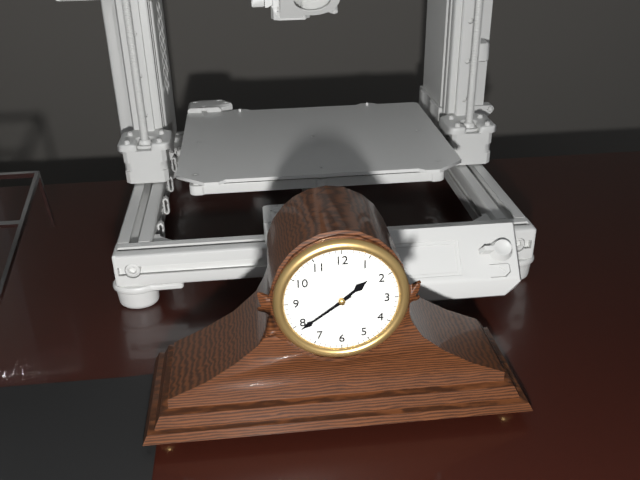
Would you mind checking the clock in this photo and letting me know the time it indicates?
1:39
